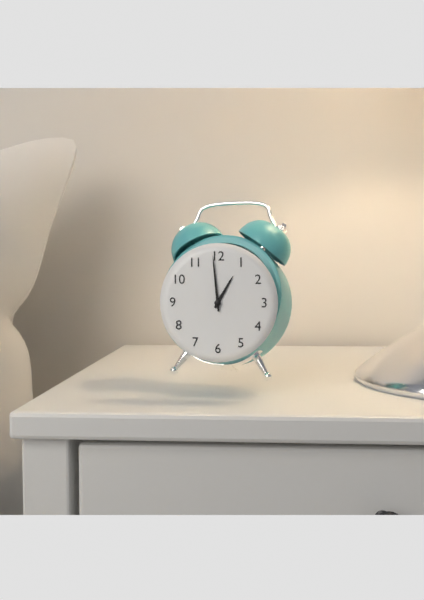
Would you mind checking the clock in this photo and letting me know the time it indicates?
12:59
